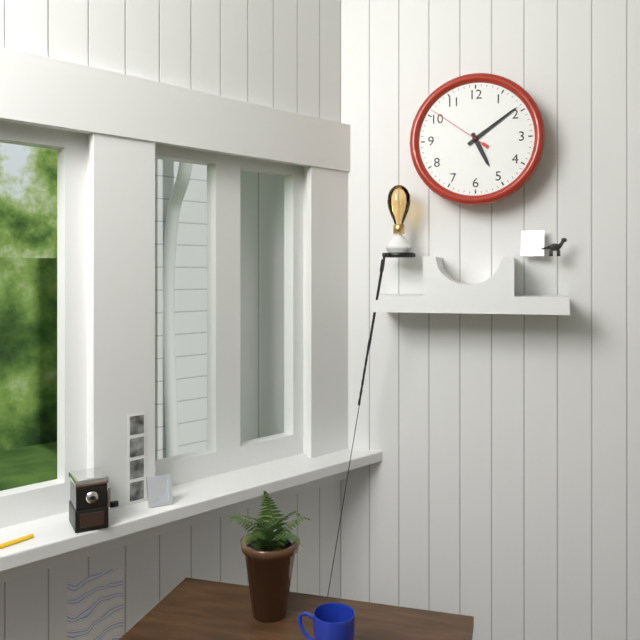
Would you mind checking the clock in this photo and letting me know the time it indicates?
5:09:51
